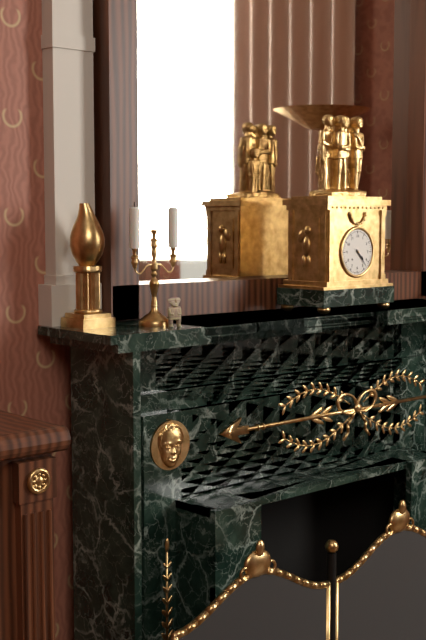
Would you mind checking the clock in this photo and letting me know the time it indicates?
4:23
